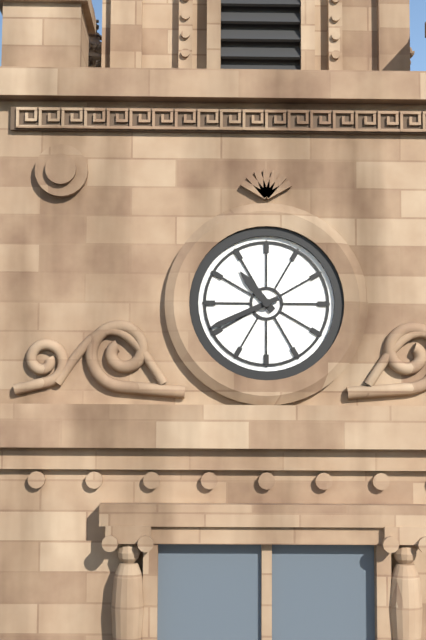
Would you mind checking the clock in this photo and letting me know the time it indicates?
10:41
